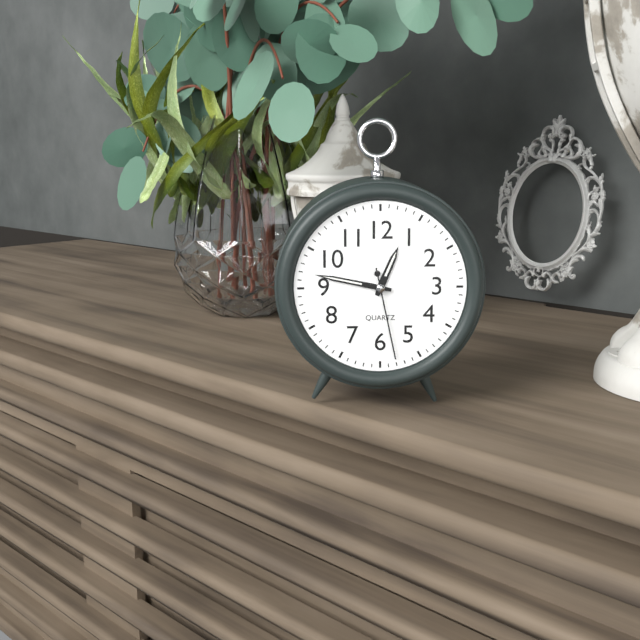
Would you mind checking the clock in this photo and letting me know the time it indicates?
12:47:28
